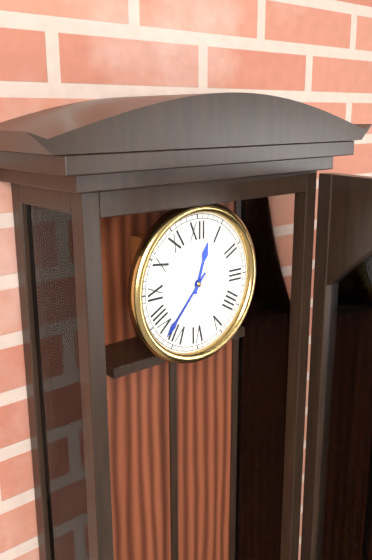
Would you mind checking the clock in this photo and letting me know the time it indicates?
12:37
